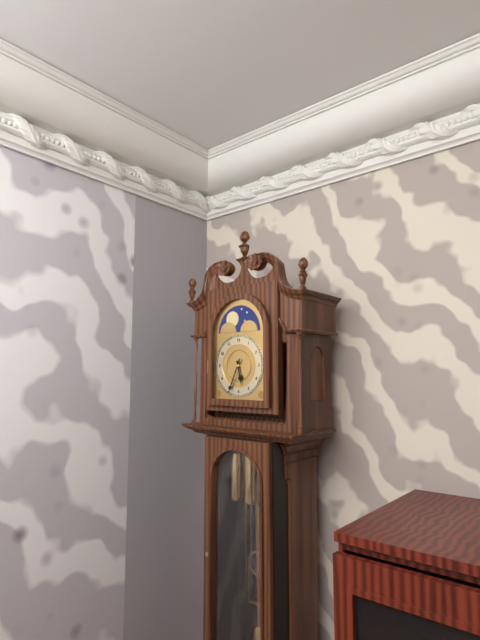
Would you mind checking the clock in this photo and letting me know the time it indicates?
5:34
